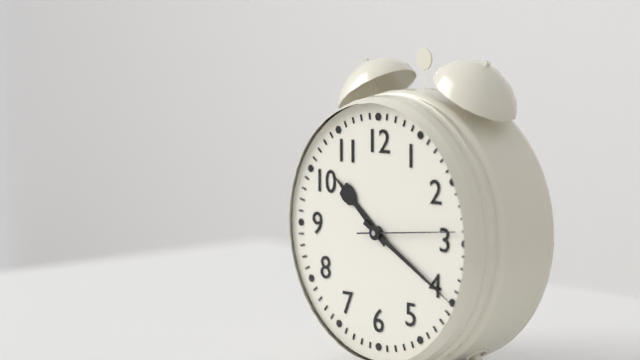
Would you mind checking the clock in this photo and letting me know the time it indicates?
10:20:14
